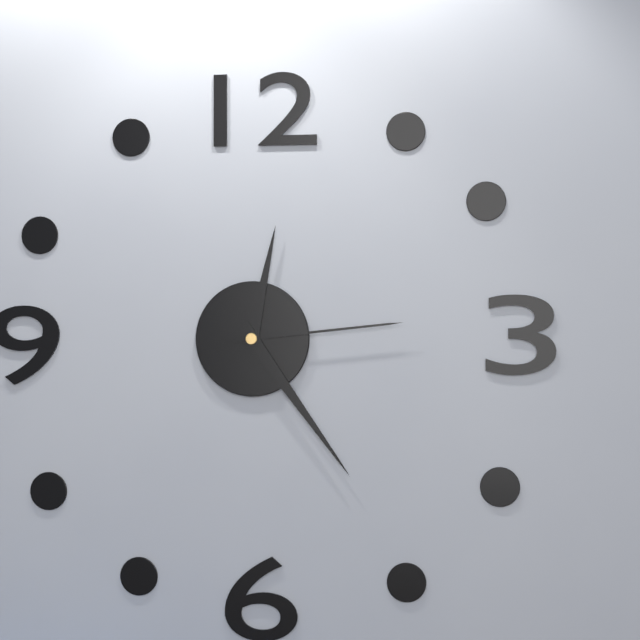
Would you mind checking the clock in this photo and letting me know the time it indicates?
12:24:14
